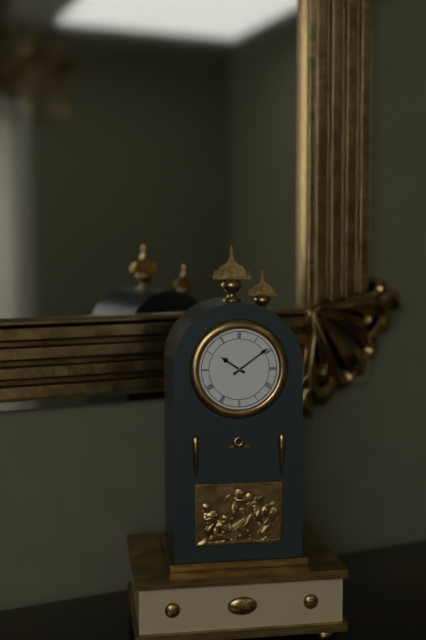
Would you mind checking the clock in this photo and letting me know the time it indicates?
10:09
